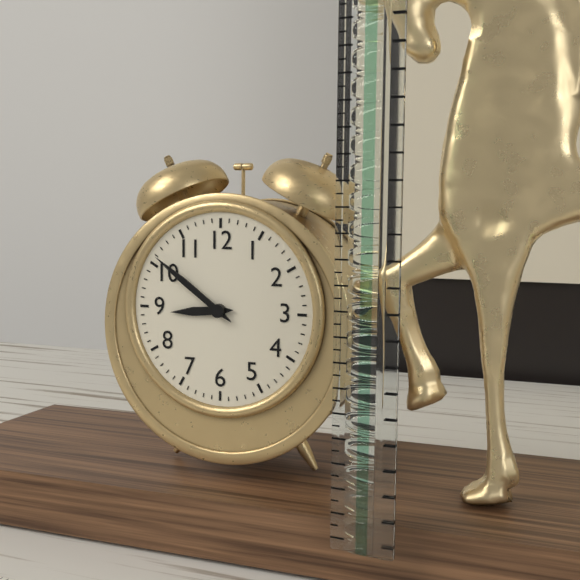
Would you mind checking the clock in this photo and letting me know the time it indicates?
8:51
